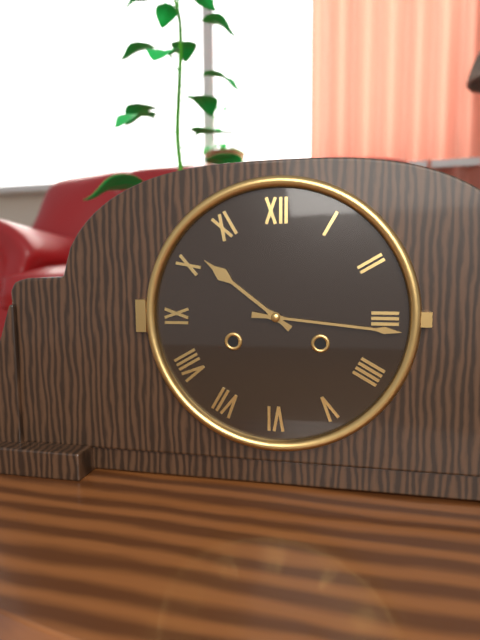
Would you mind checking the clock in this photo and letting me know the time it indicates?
10:16
